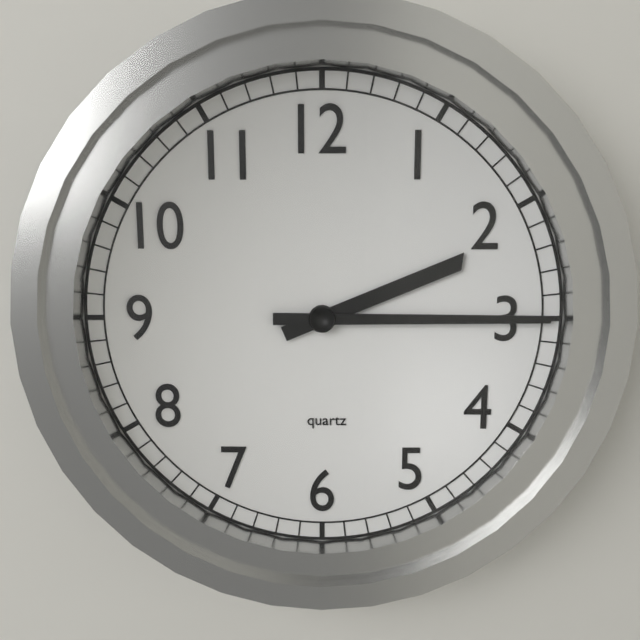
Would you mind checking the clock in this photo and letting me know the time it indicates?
2:15
